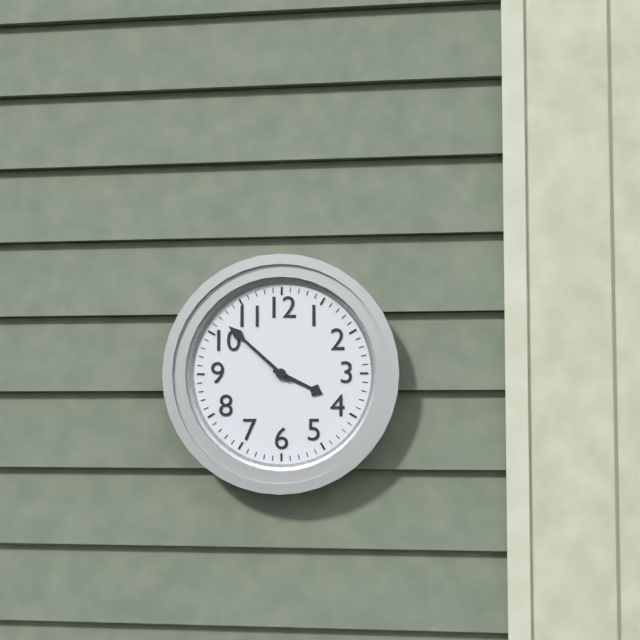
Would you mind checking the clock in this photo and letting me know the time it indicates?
3:52
